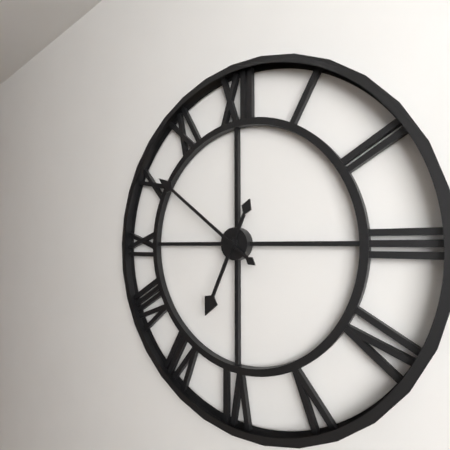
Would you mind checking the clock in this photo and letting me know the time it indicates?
6:51
